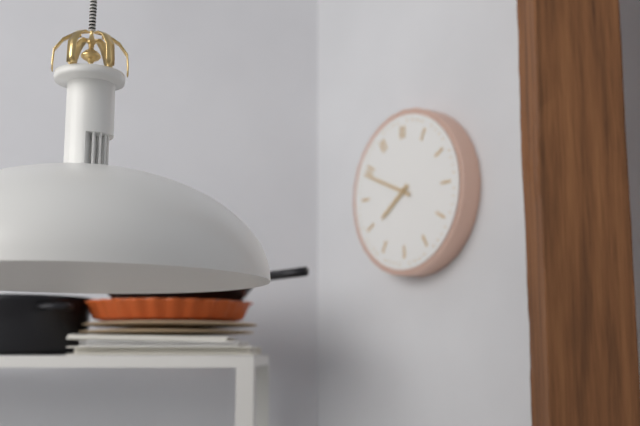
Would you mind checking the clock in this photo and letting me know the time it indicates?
7:49
